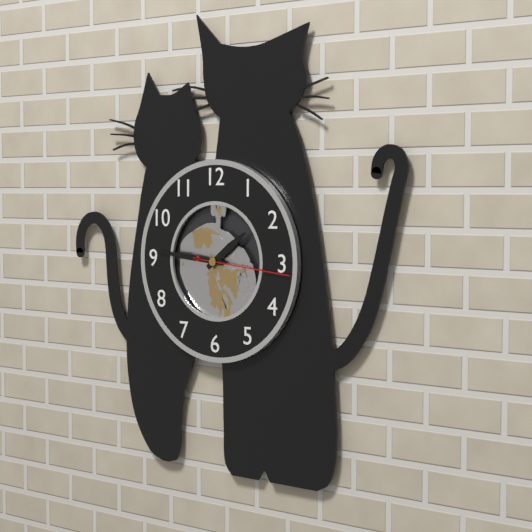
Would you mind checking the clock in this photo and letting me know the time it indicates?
1:46:16
